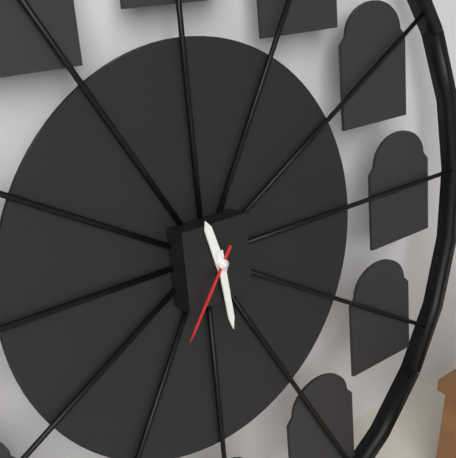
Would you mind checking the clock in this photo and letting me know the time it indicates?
11:29:36
